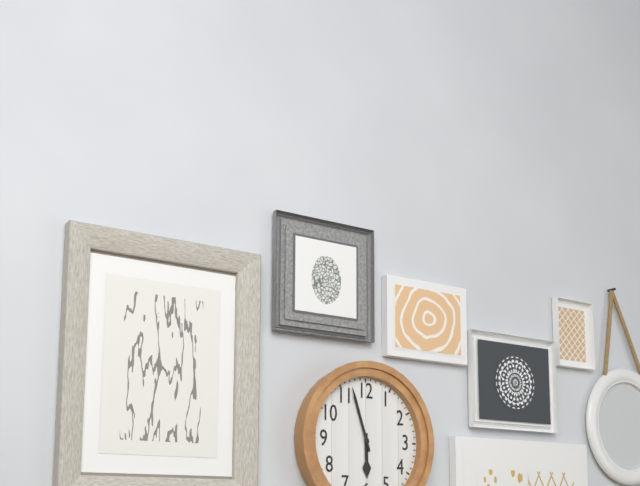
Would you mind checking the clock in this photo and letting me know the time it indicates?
5:57
